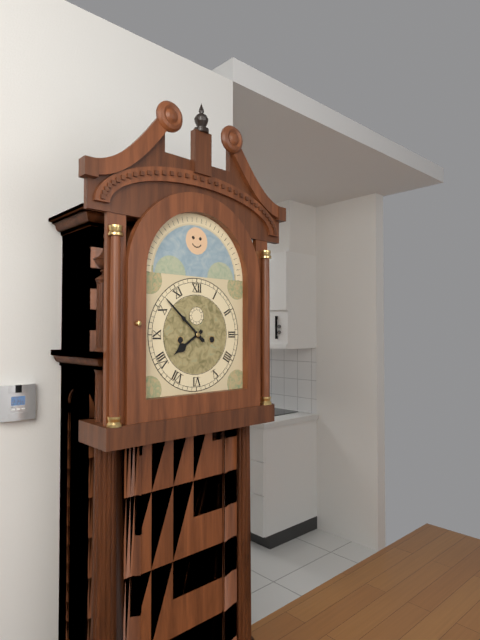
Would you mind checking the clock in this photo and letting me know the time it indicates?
7:52
